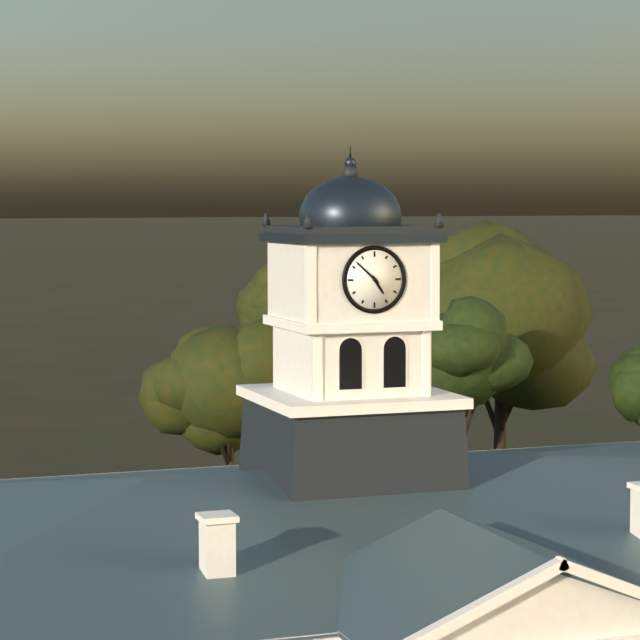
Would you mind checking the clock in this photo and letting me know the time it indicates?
4:52
